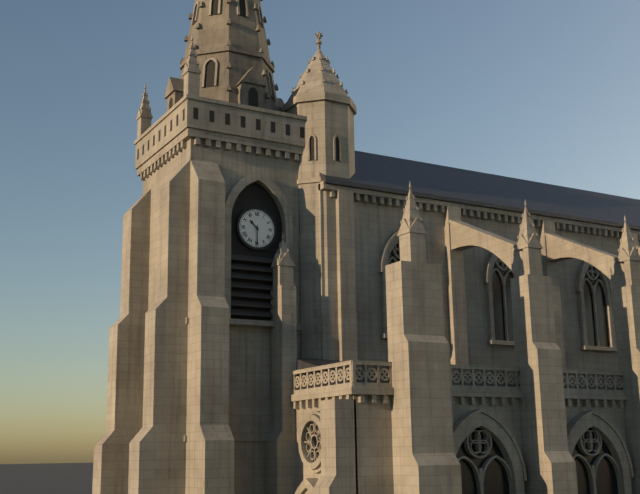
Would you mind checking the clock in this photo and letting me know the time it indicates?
10:30
